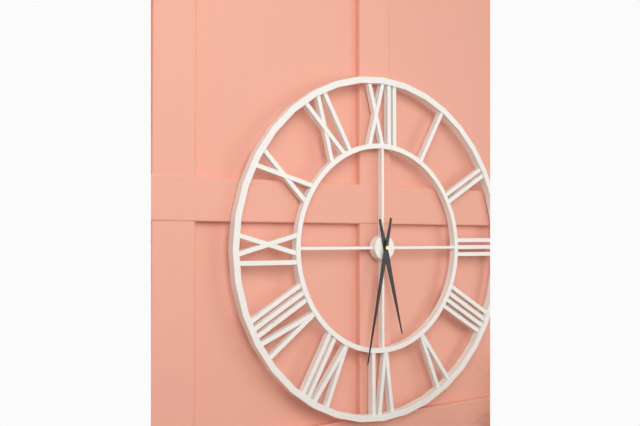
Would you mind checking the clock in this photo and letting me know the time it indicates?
5:32
